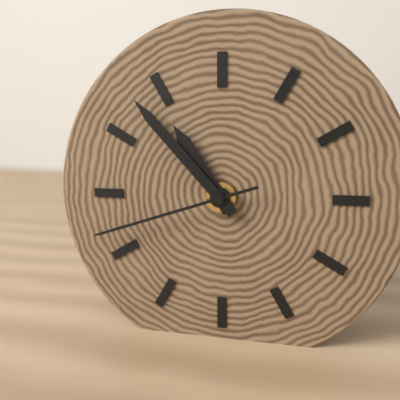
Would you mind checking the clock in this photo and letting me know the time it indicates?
10:53:42
